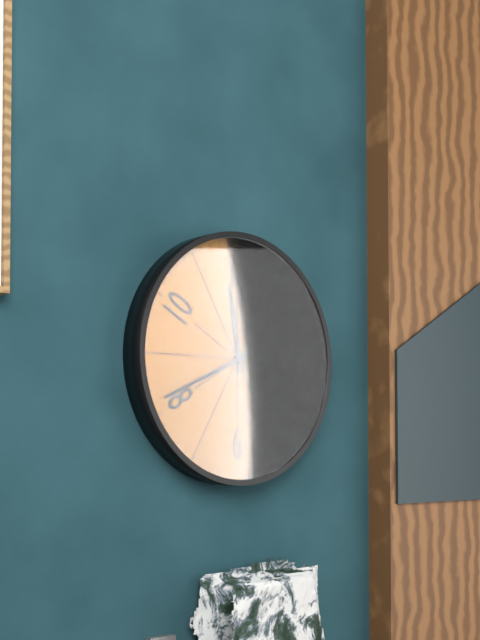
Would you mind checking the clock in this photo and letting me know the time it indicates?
11:41
